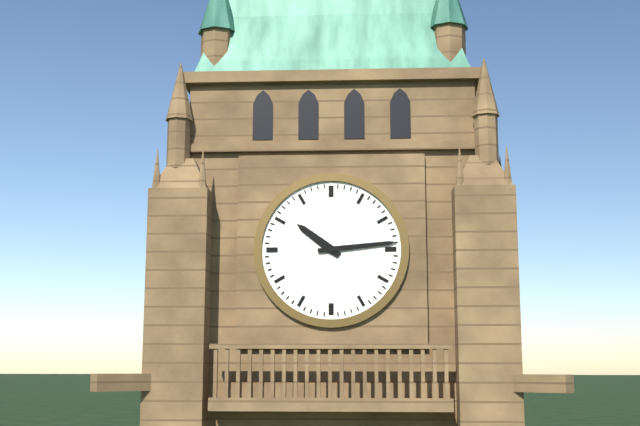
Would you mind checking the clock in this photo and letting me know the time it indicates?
10:14
